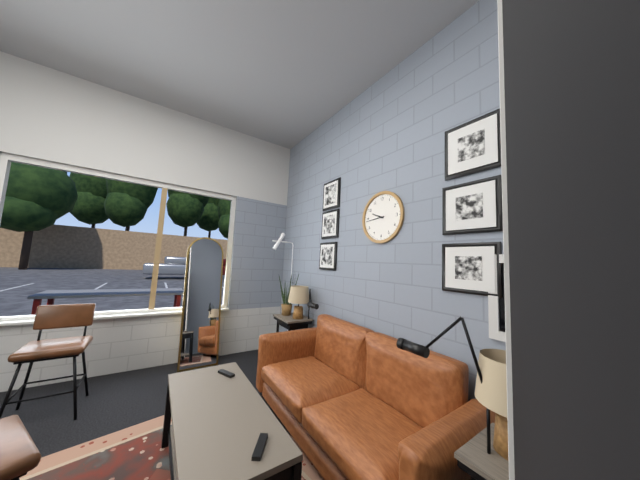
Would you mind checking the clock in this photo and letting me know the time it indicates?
9:44
